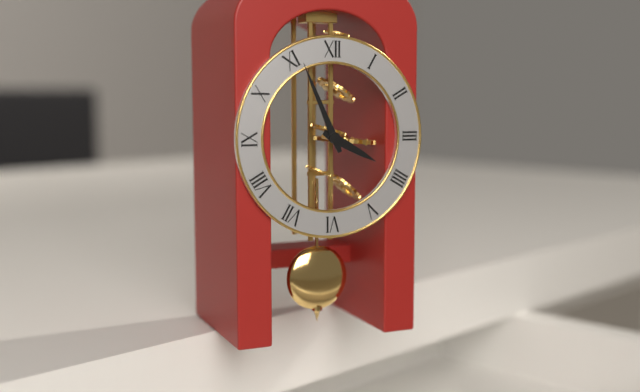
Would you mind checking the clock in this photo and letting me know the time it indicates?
3:56
